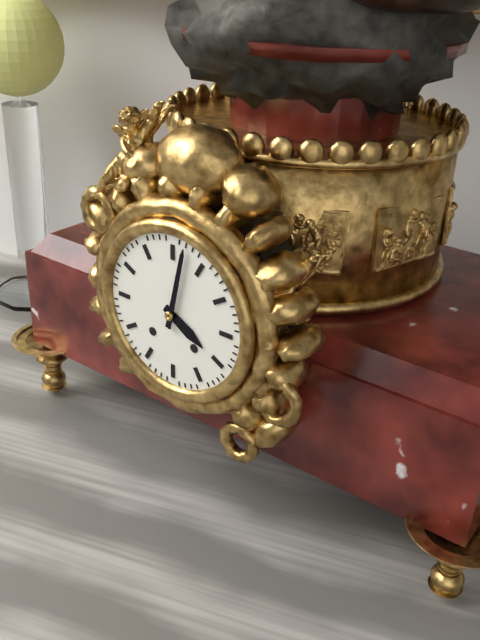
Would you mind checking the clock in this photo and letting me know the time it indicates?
4:02
